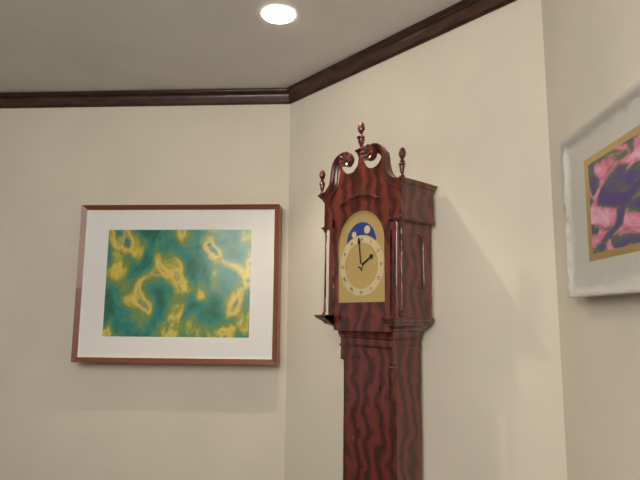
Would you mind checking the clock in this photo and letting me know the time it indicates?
1:59
